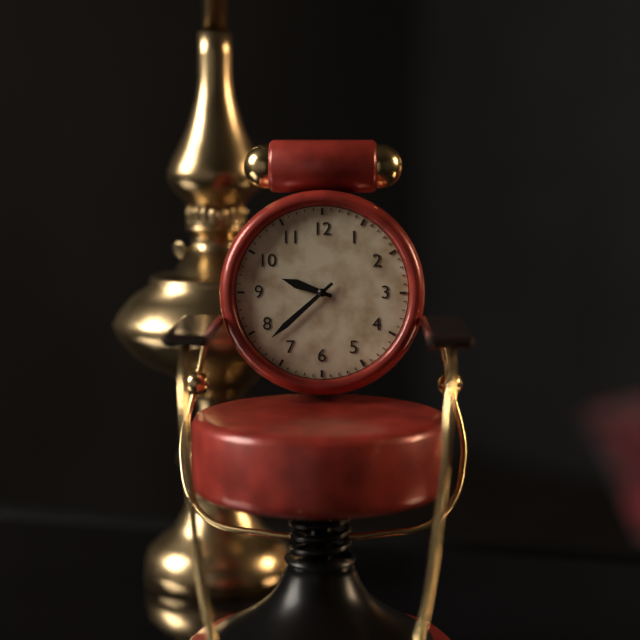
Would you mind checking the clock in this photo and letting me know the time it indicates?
9:38
